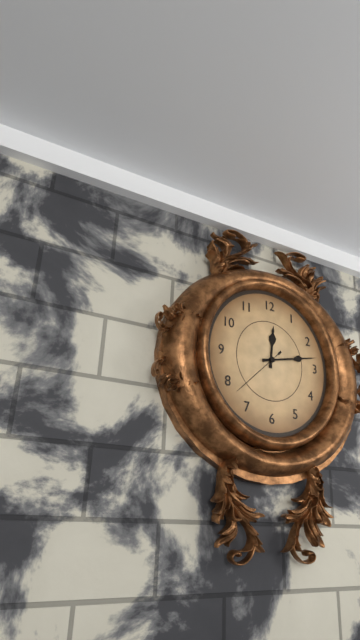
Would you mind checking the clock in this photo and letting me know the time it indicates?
12:13
